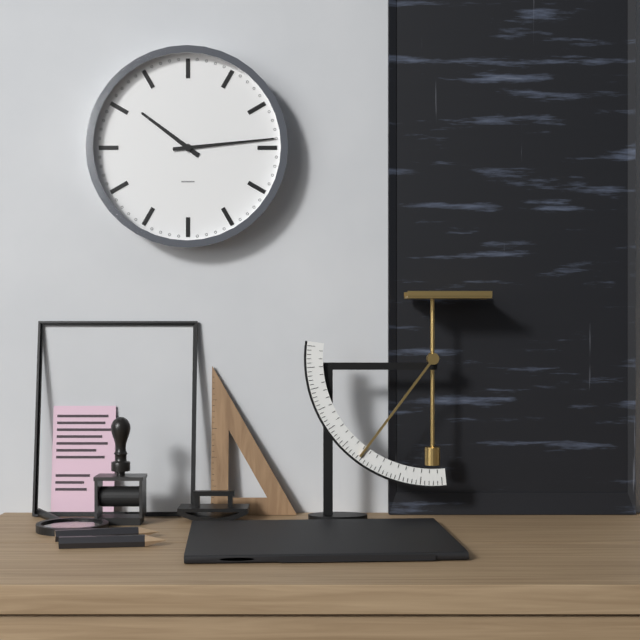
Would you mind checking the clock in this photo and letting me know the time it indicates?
10:14
